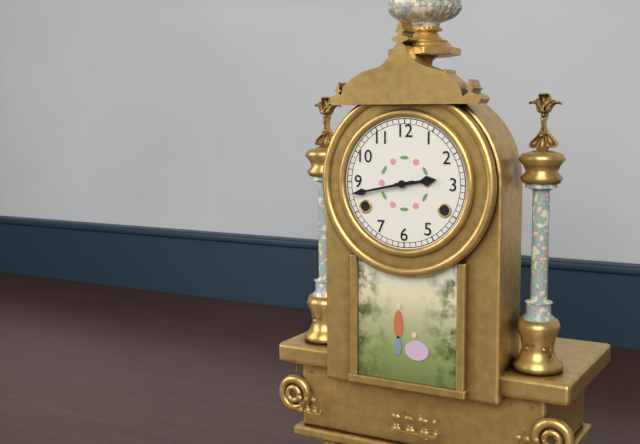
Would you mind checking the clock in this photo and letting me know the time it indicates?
2:43
